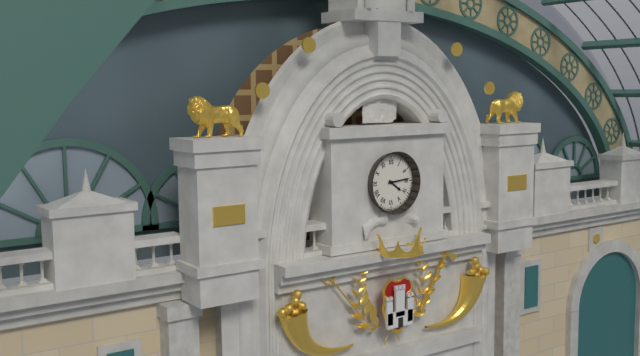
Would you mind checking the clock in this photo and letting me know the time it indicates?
4:14
